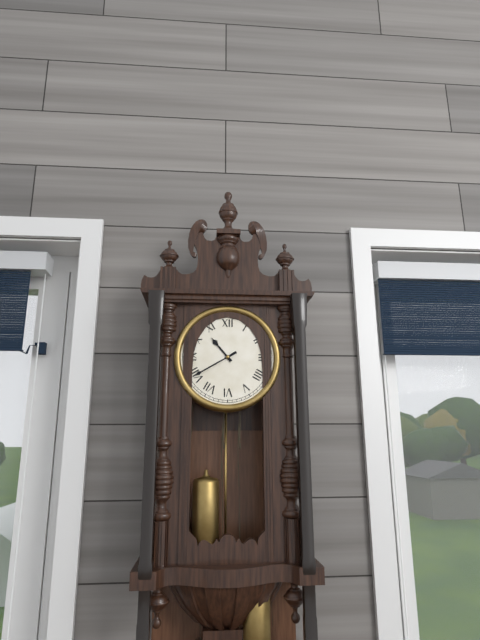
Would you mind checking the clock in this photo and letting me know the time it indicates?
10:40
